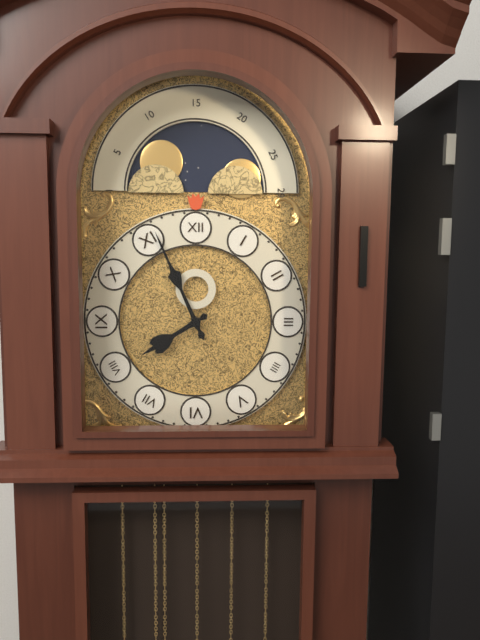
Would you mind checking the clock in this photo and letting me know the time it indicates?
7:56
